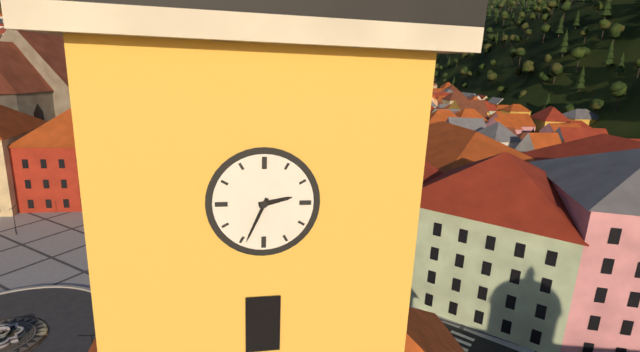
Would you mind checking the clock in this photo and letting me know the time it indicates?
2:34
